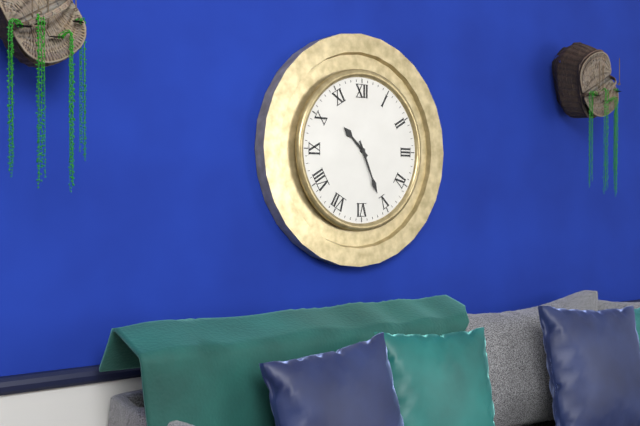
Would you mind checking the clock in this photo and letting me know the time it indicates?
10:26
